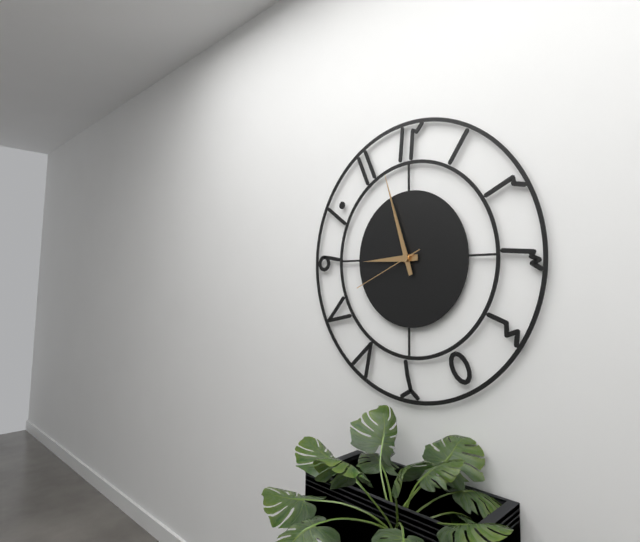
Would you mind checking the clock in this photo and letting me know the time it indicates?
8:57:41
